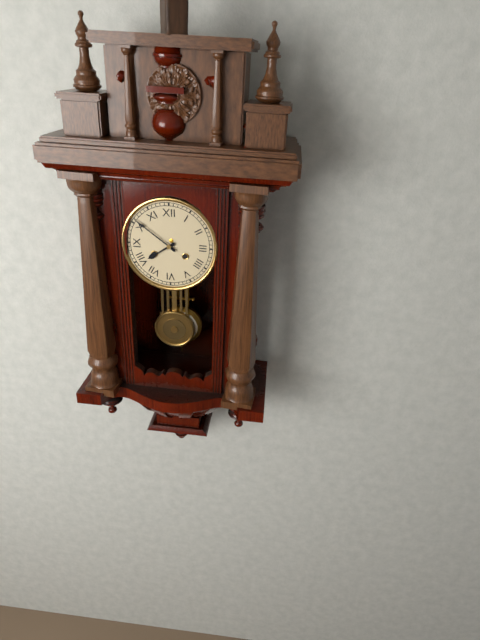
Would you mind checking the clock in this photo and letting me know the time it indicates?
7:51
